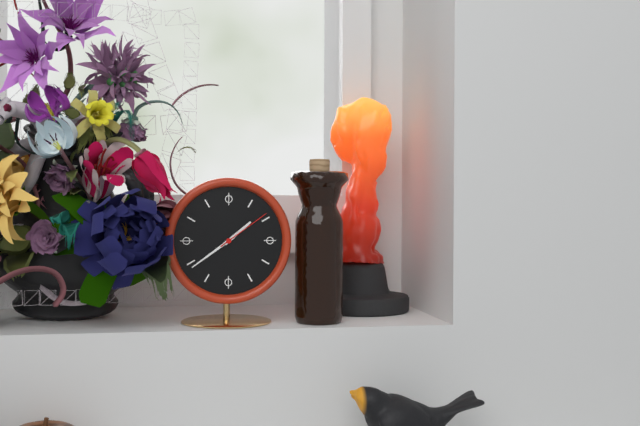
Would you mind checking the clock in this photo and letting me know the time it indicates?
1:39:09
